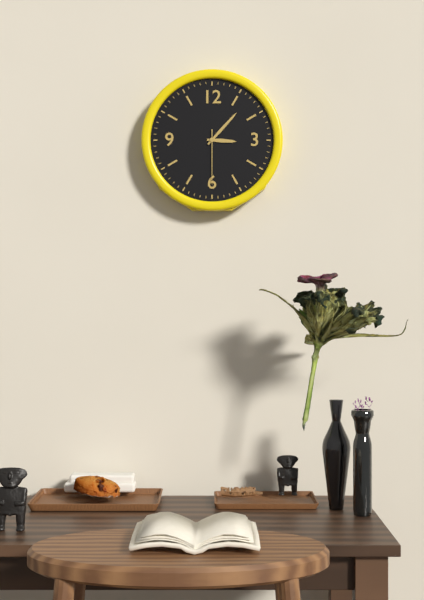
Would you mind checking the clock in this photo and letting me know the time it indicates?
3:07:30
